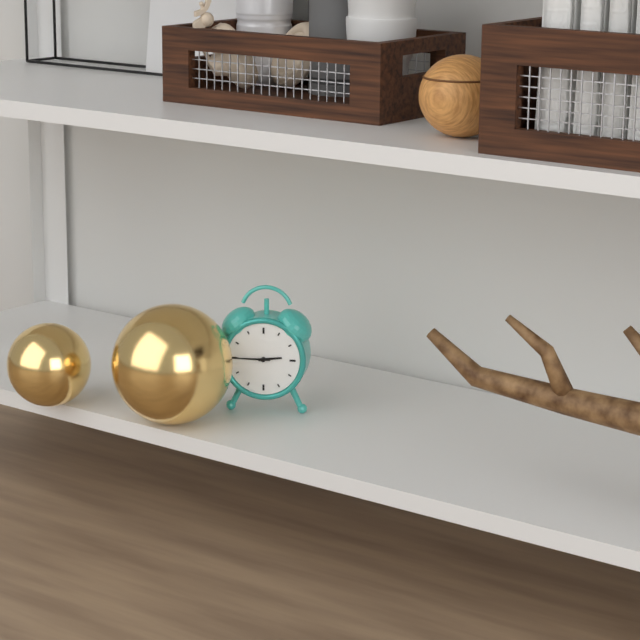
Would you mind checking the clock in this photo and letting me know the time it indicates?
2:45
